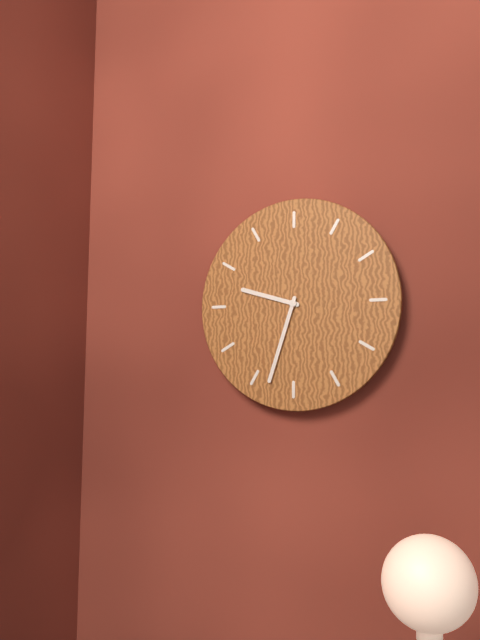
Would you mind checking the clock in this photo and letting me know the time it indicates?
9:33
